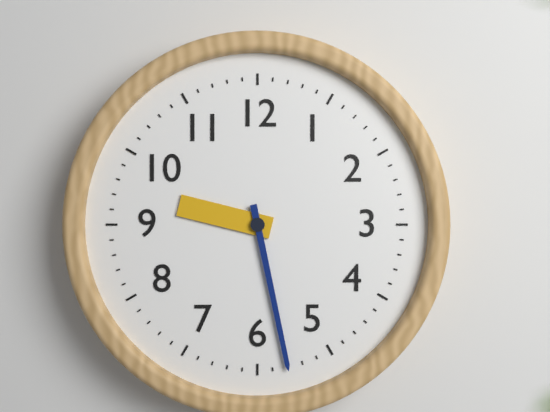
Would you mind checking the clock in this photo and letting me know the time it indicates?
9:28
